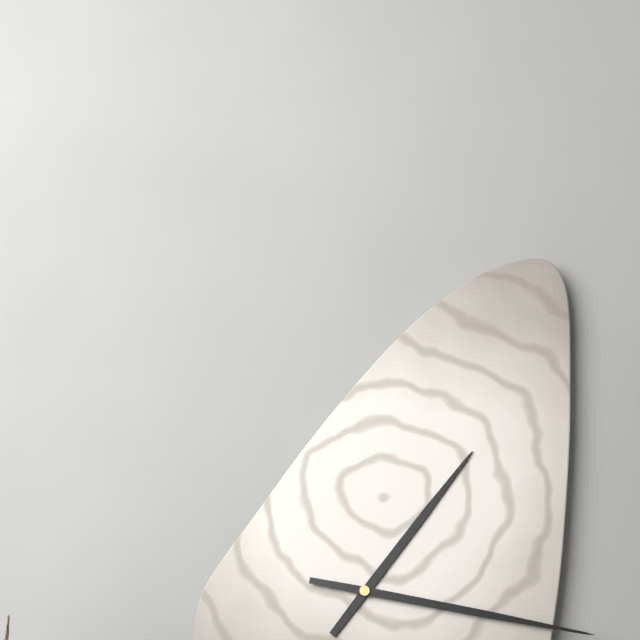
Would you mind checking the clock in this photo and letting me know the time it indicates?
1:17
